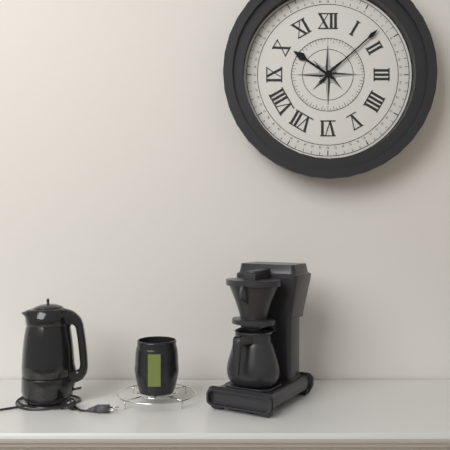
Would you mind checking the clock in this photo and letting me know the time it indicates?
10:08
